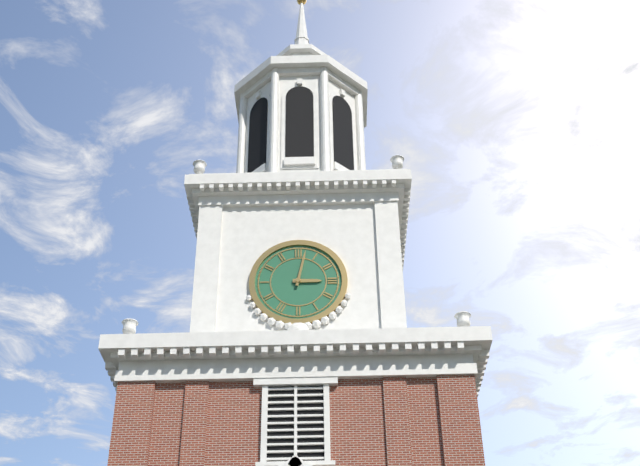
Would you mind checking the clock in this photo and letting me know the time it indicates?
3:02
